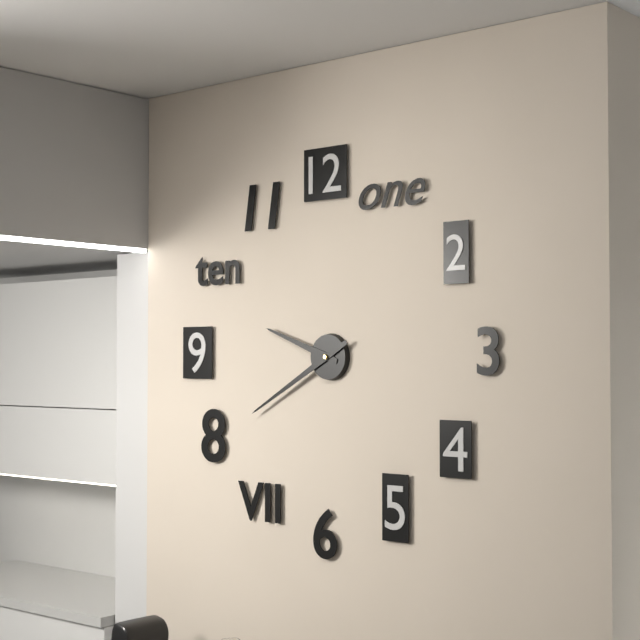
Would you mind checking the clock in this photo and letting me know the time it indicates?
9:40
